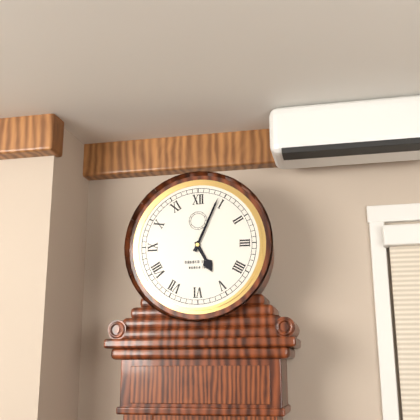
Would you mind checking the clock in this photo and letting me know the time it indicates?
5:04
